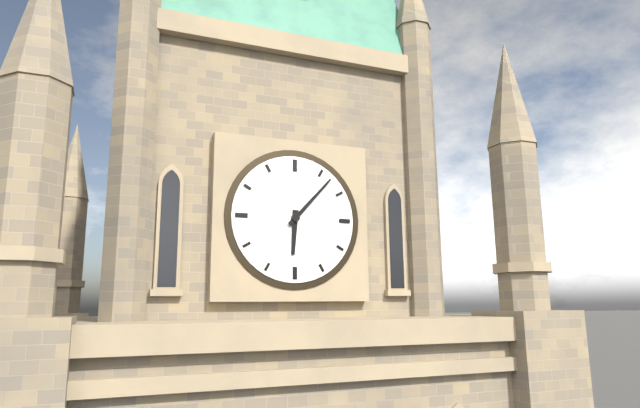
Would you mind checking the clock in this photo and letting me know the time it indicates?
6:07
